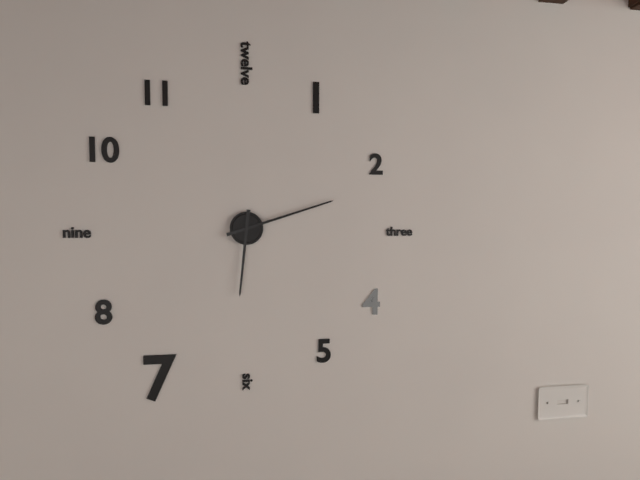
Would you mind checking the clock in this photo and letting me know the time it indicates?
6:12
